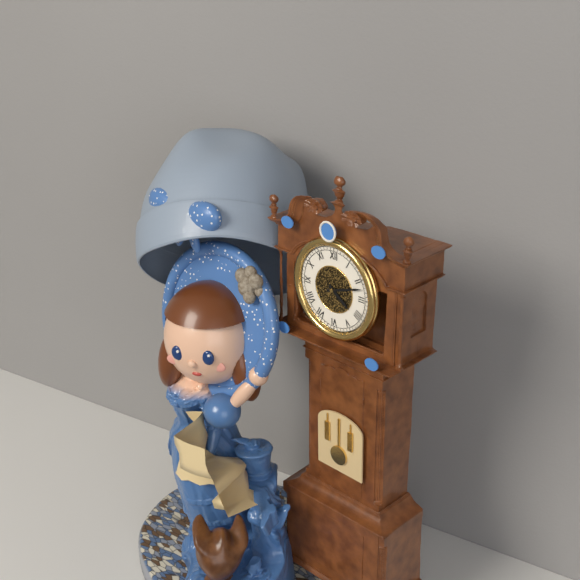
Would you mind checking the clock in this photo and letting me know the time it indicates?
4:12
